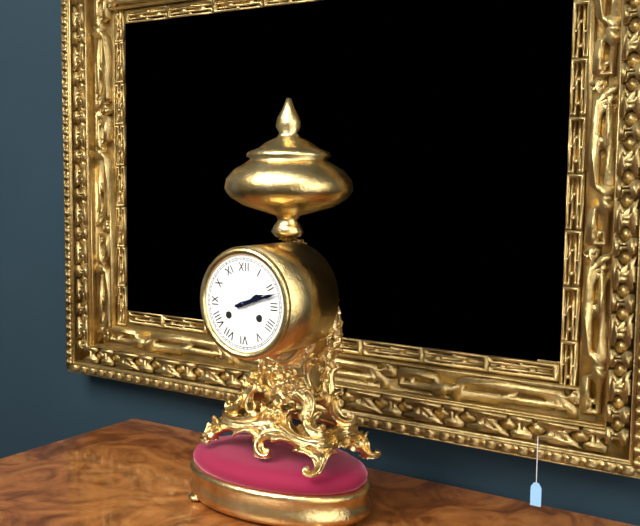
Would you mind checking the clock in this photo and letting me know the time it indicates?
2:12
